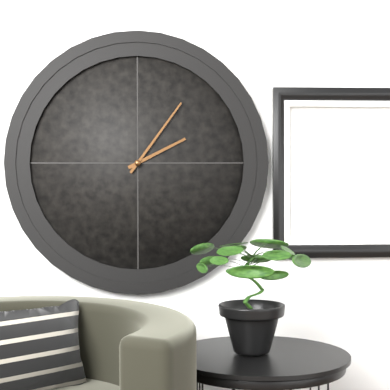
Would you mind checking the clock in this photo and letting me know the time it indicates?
2:06
